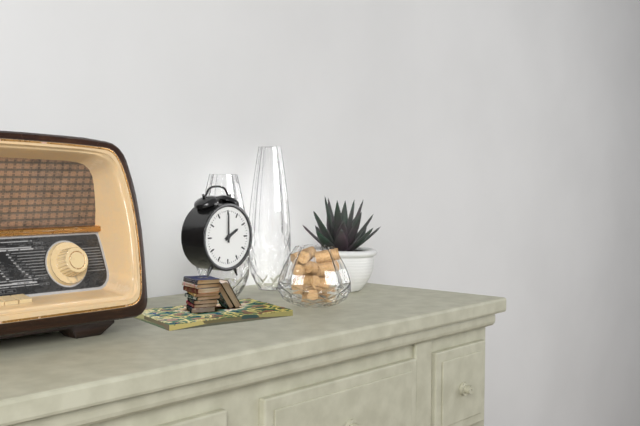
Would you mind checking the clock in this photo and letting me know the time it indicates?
2:00
